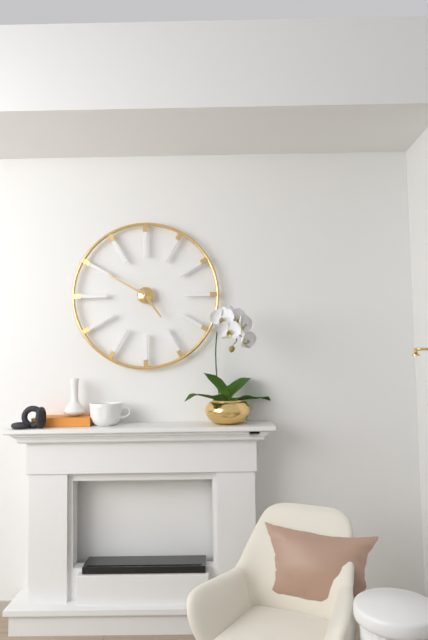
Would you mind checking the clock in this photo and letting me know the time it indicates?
4:50
